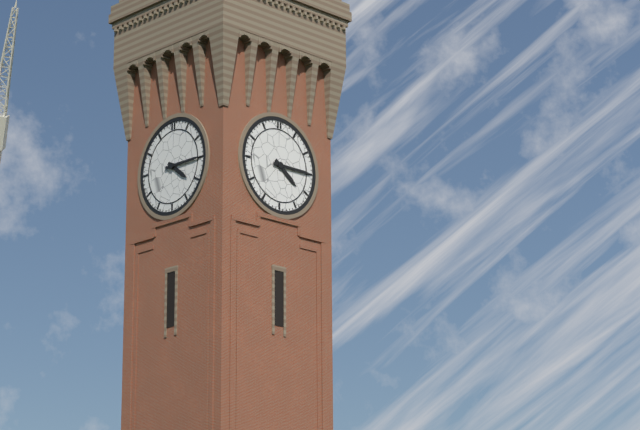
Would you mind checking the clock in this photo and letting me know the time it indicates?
4:15
